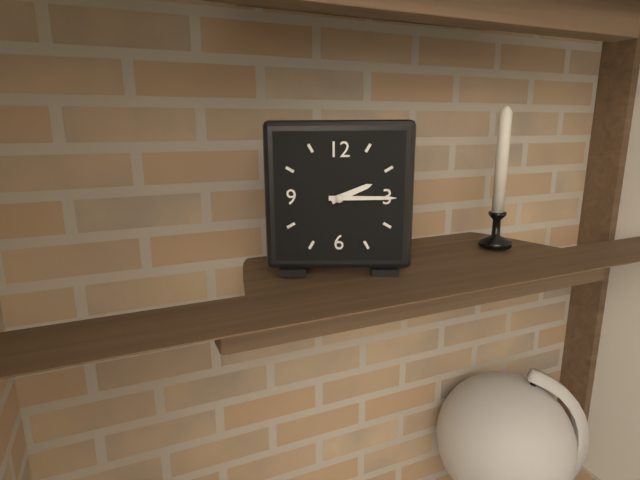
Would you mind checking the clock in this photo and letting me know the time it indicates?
2:15
